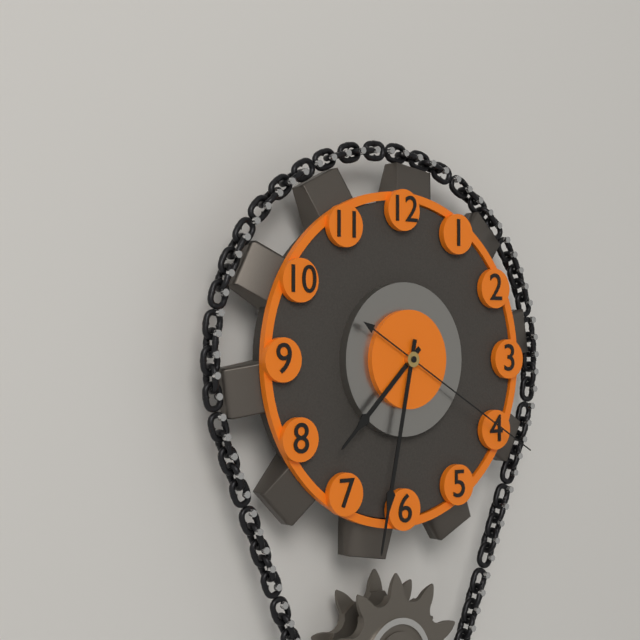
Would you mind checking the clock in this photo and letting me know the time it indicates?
7:32:20
